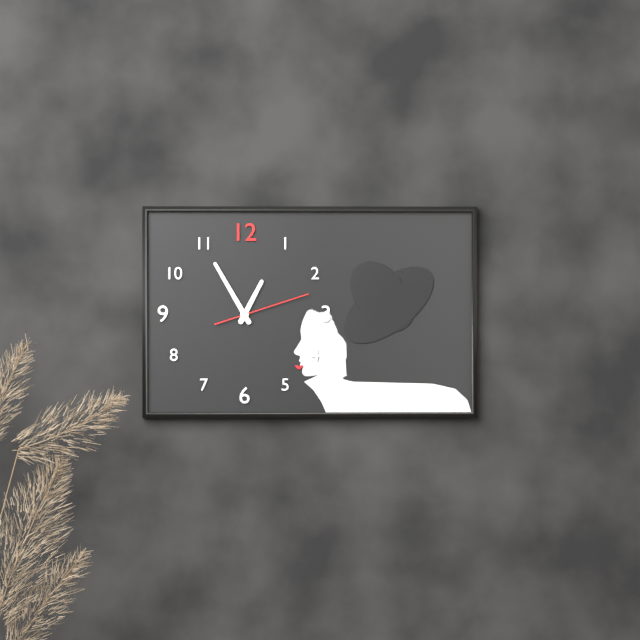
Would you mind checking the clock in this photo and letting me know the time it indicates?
12:55:12
